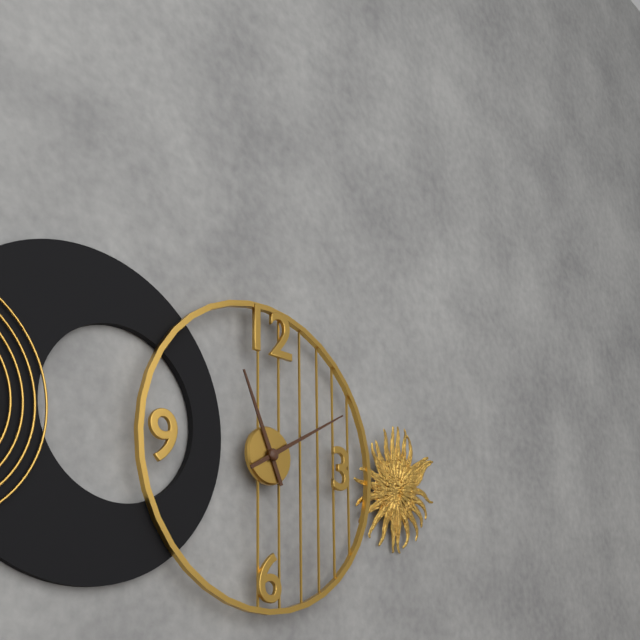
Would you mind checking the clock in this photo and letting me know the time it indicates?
11:10
